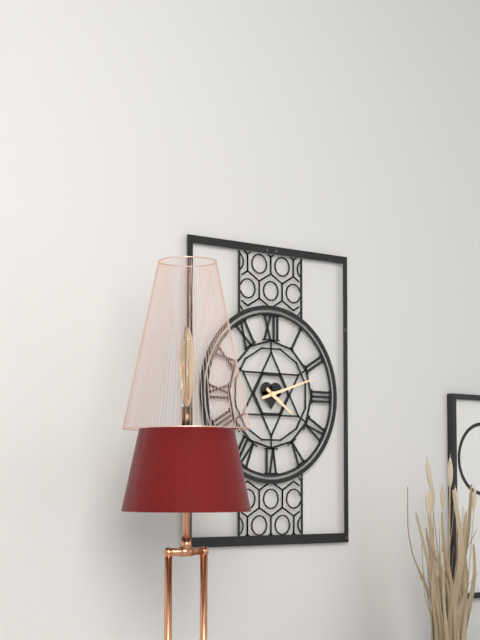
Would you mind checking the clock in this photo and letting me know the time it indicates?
4:12
